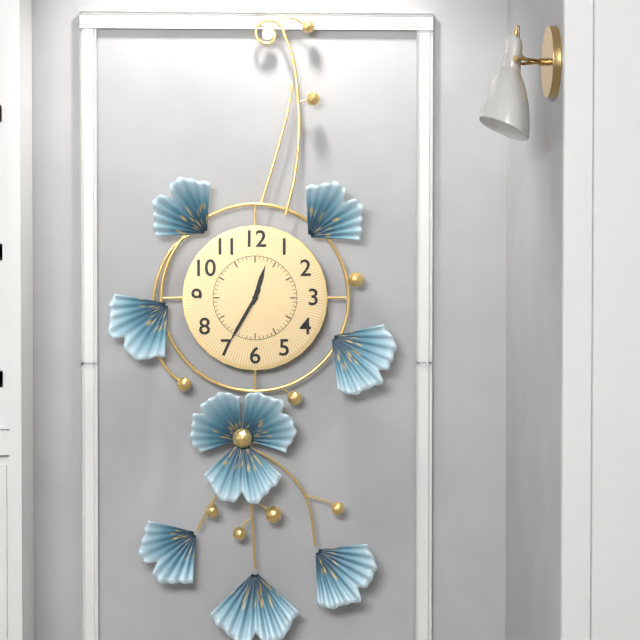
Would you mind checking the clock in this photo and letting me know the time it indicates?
12:35
